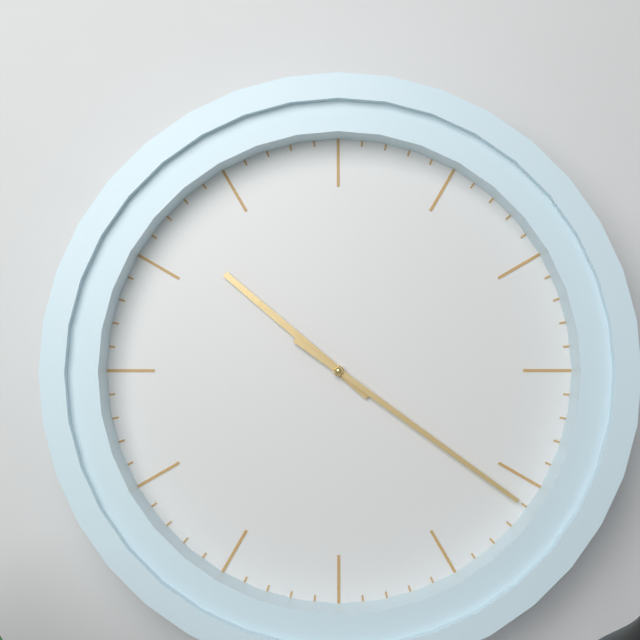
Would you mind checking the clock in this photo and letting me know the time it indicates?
10:21
